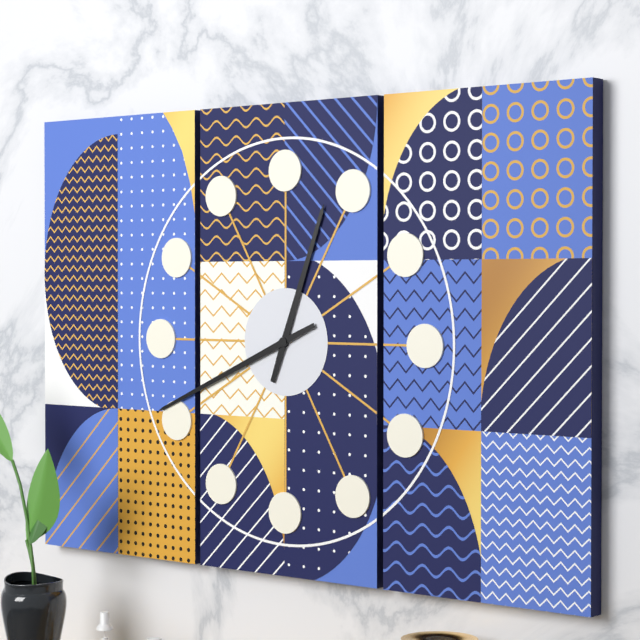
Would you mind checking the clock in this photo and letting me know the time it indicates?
12:41
